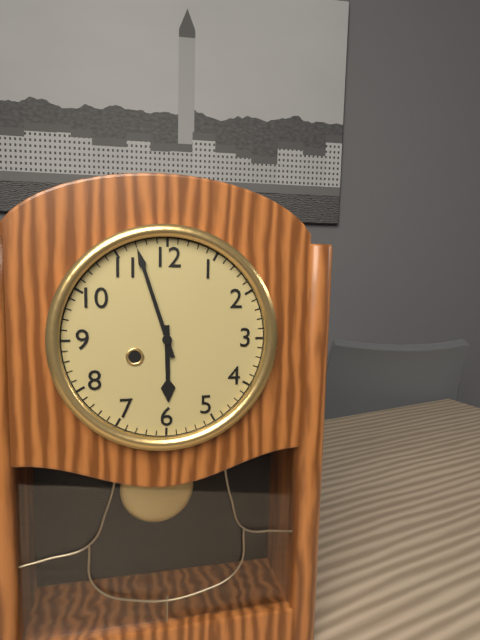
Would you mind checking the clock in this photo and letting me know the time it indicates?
5:57
